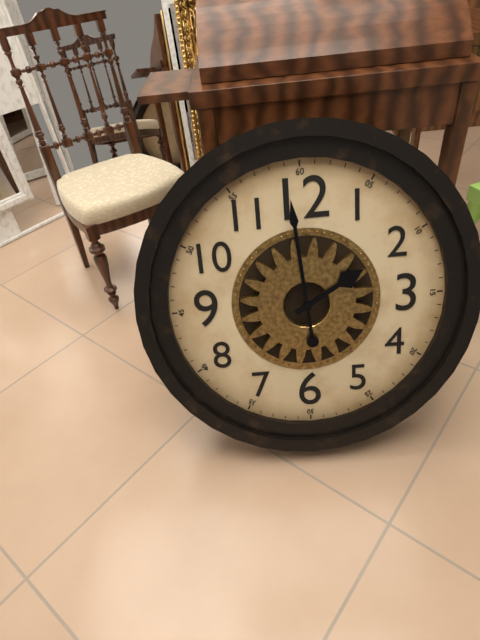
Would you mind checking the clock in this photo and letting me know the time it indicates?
1:59
